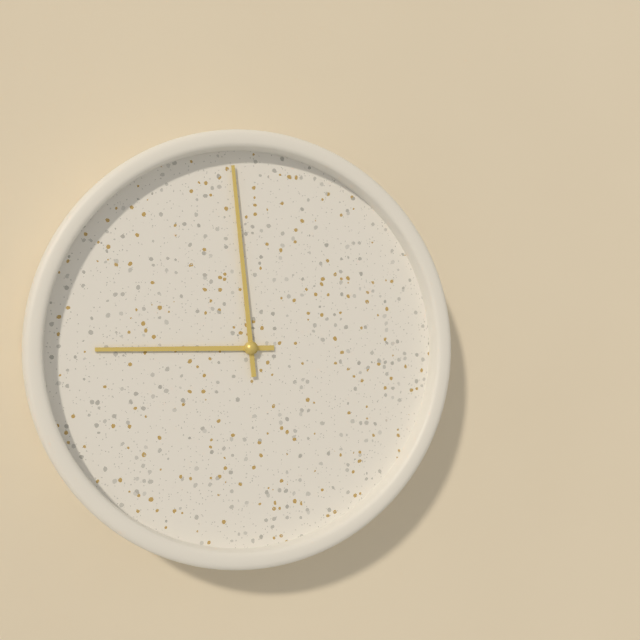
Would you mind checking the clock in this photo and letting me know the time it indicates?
8:59
